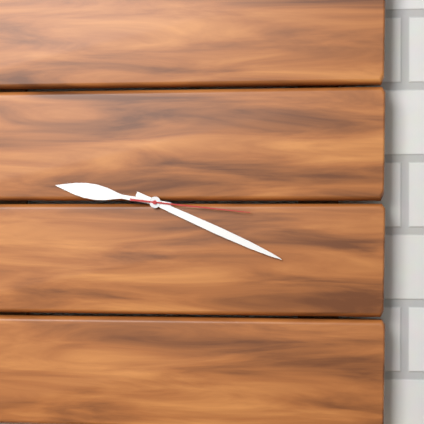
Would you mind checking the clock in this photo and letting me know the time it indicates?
9:19:16
